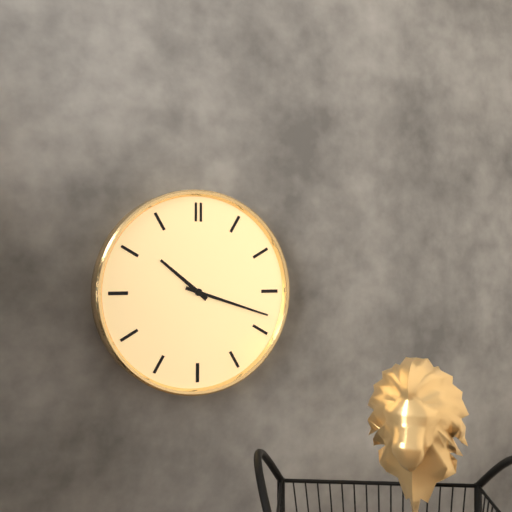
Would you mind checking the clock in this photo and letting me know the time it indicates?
10:18
